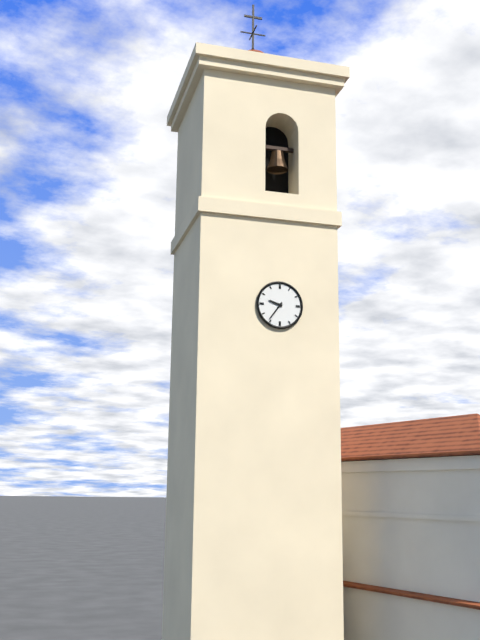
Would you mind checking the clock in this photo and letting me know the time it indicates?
9:36
